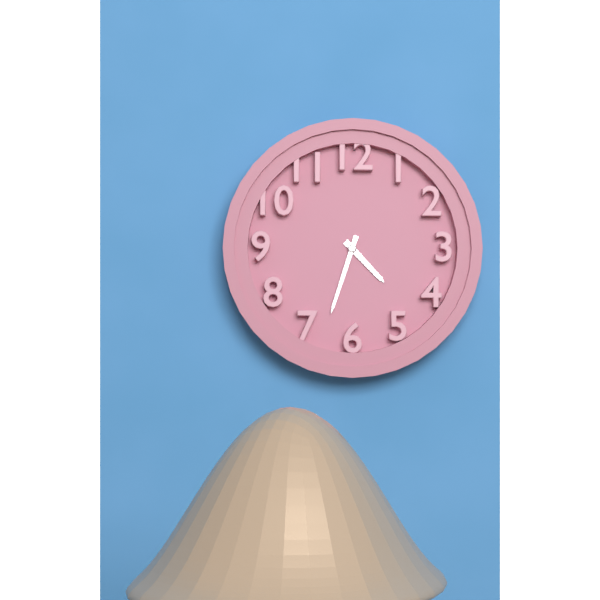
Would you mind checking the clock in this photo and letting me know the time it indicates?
4:33
